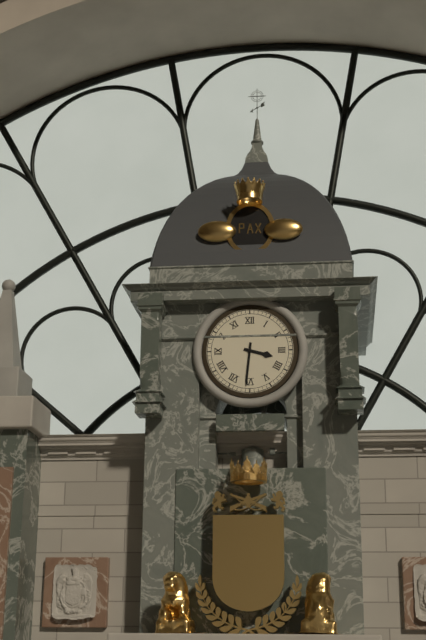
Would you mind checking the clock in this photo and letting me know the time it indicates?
3:31
